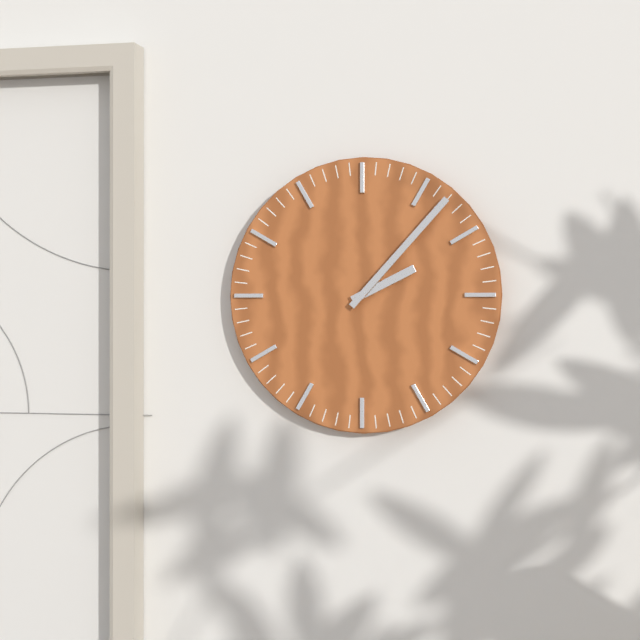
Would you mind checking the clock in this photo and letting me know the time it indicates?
2:07
